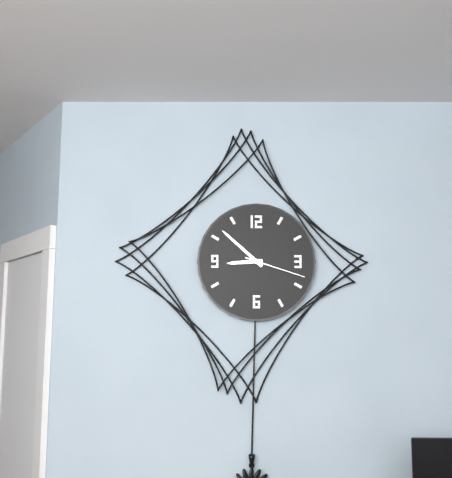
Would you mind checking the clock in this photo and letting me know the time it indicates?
8:52:18
